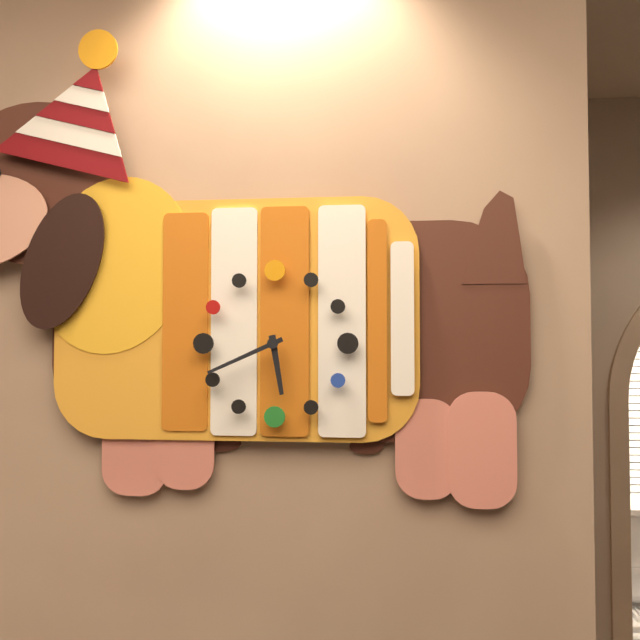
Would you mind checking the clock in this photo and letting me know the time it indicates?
5:41
